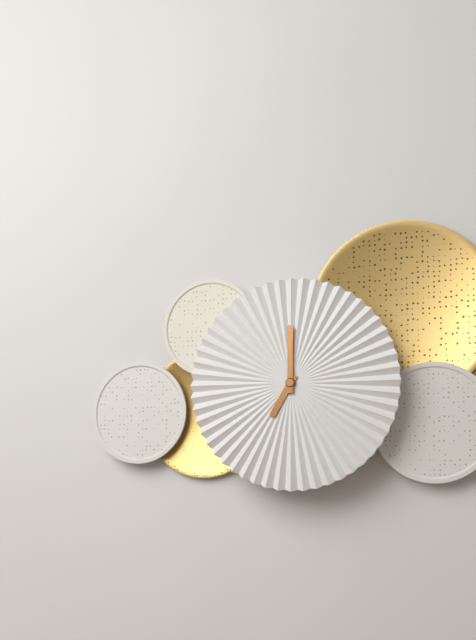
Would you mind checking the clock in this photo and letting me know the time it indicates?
7:00
